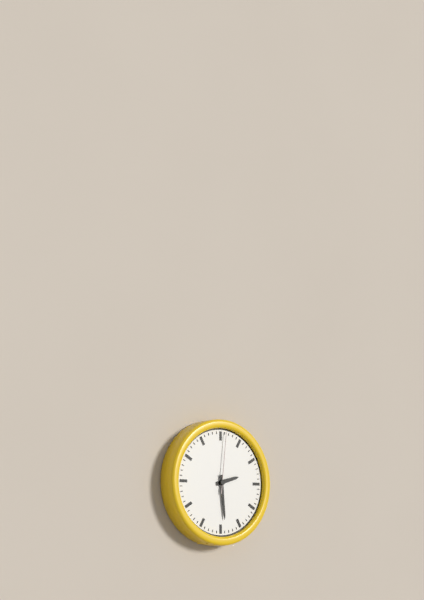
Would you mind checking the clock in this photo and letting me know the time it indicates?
2:29:01
